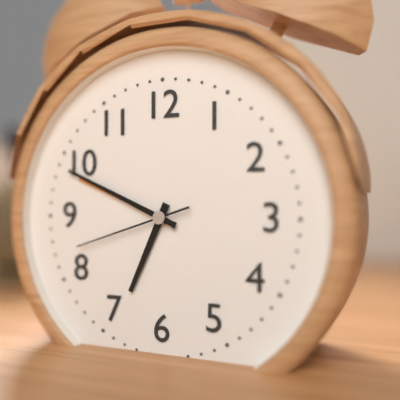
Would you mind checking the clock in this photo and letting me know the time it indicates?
6:49:42
